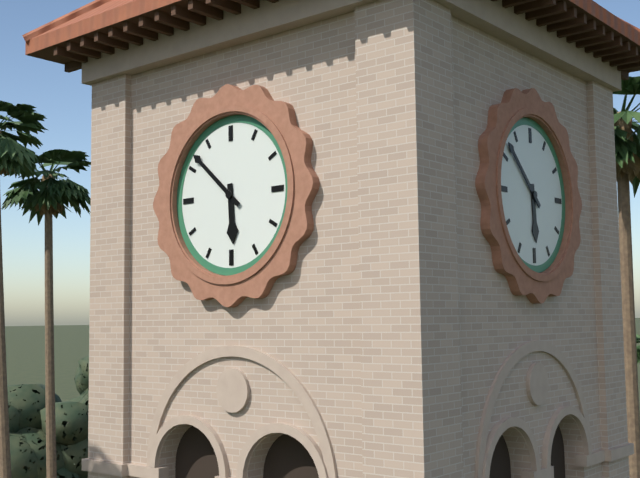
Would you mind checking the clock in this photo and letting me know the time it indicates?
5:52
